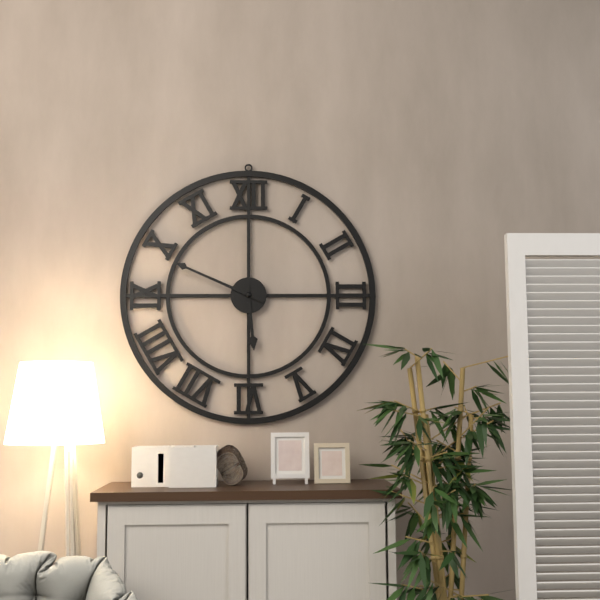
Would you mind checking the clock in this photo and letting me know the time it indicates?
5:49
